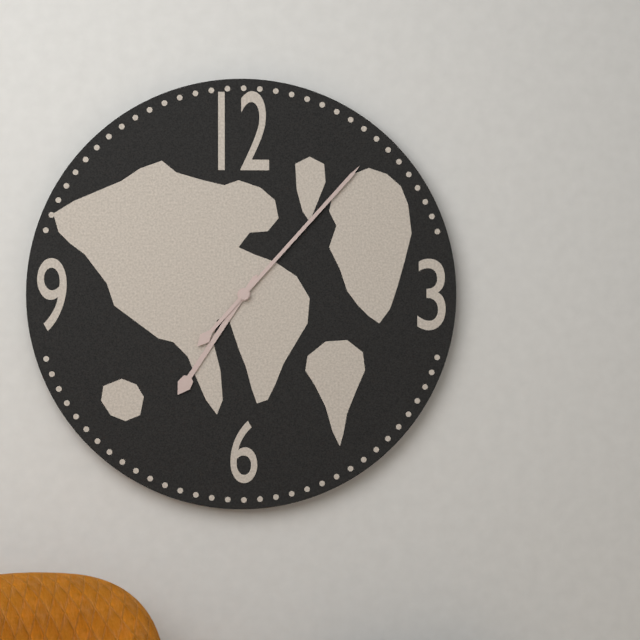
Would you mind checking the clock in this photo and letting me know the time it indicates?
7:07
